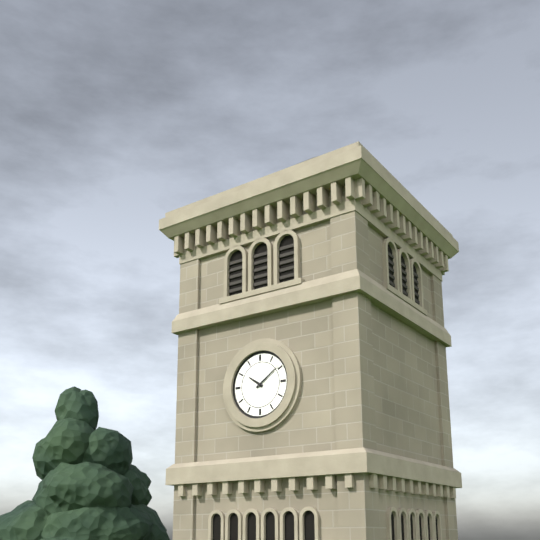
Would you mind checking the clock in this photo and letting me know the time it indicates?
10:09
